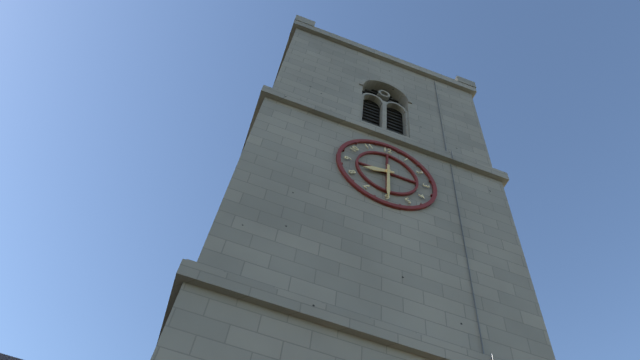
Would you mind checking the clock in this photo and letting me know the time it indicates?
8:30
